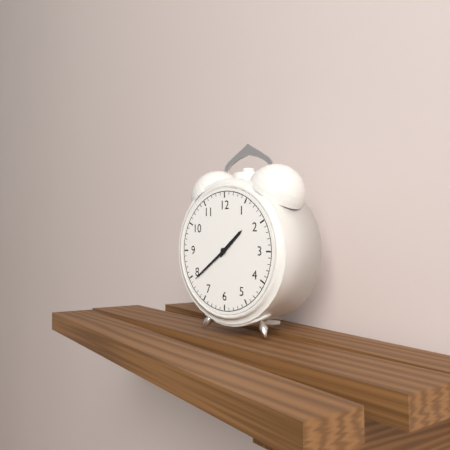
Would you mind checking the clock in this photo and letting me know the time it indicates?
1:39
